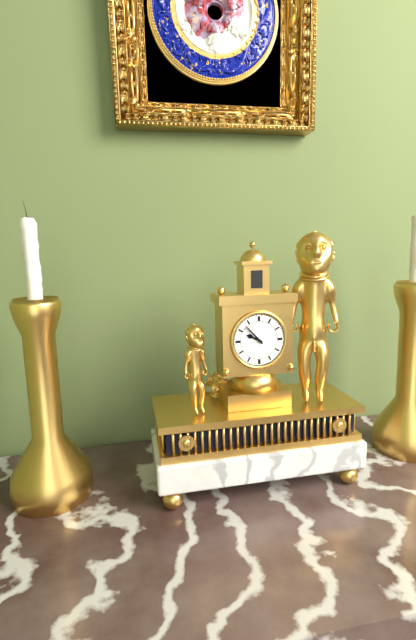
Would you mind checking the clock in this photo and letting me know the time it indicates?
9:53
